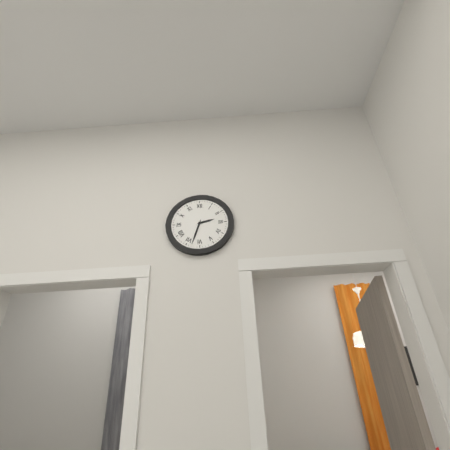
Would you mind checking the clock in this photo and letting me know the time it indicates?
2:33
